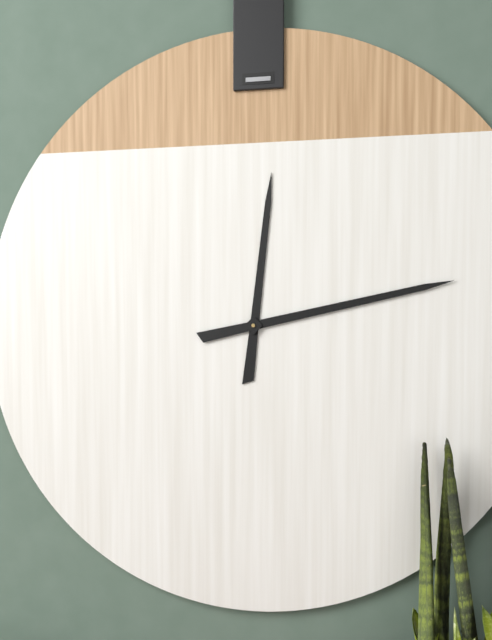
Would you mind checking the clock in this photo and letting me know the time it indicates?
12:13
